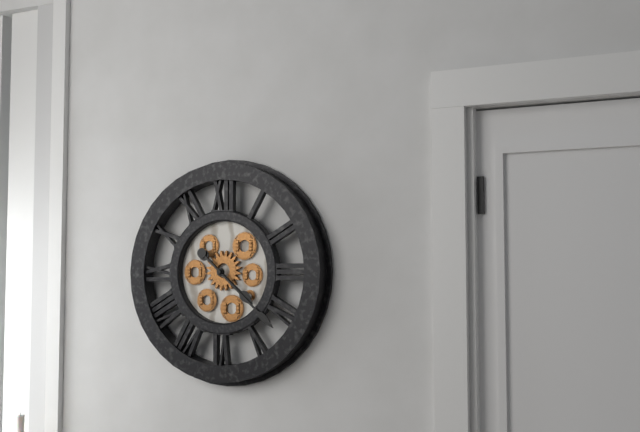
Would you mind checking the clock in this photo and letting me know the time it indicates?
4:22
